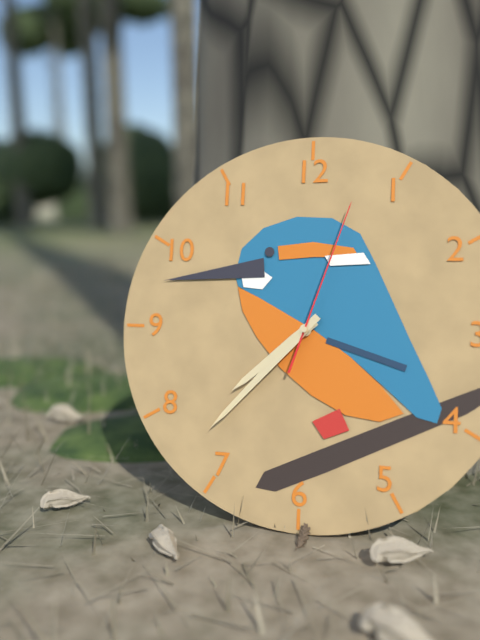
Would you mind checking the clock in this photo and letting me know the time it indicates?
7:37:03
